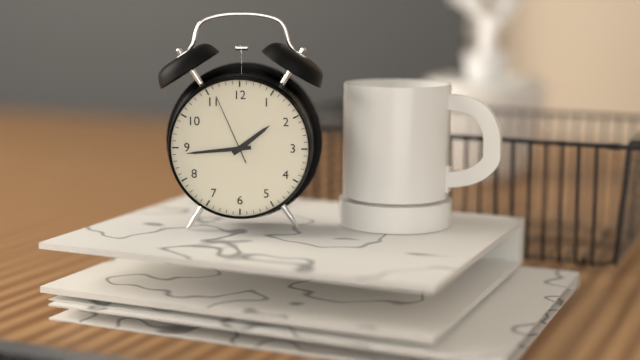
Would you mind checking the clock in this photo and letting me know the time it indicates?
1:44:56
